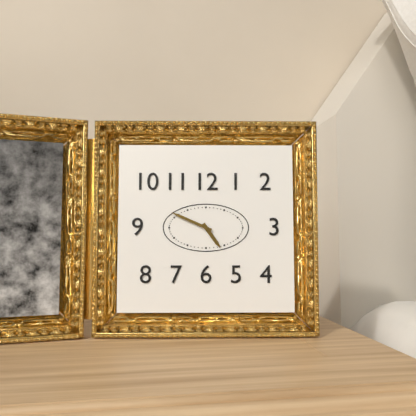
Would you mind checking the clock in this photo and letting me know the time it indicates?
4:49
